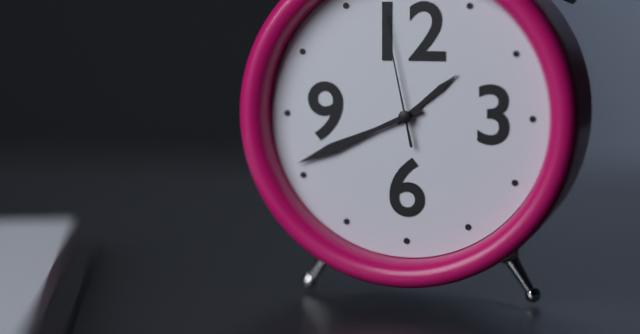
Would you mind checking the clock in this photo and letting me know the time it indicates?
1:41:58
